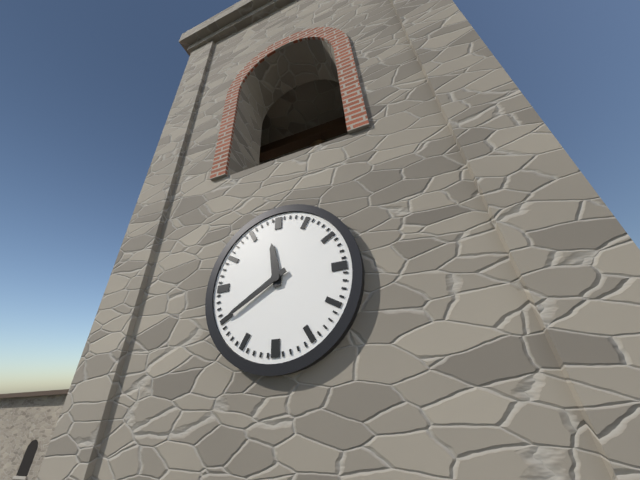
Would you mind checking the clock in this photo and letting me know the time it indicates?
11:40
